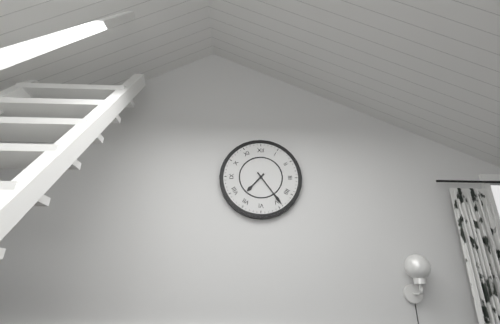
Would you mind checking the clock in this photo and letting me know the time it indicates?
7:24
